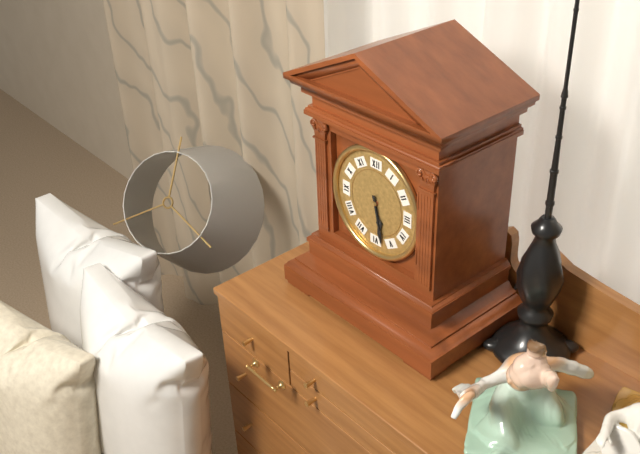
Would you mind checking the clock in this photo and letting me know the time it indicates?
5:28
